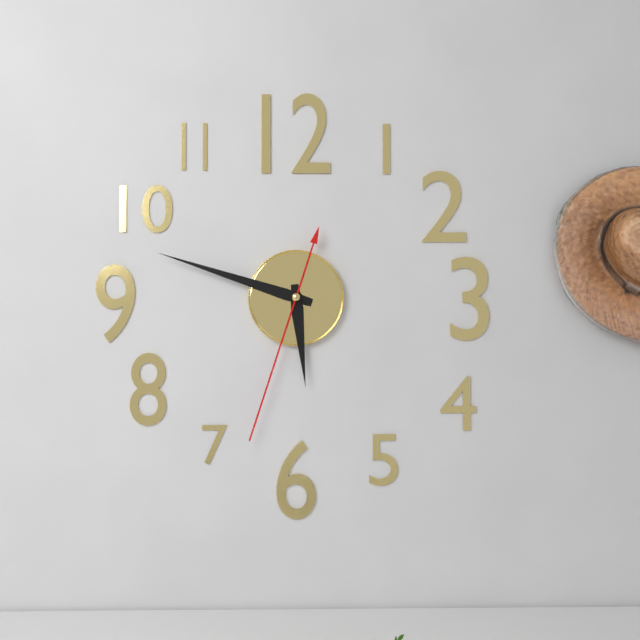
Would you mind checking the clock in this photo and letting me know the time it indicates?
5:48:33
